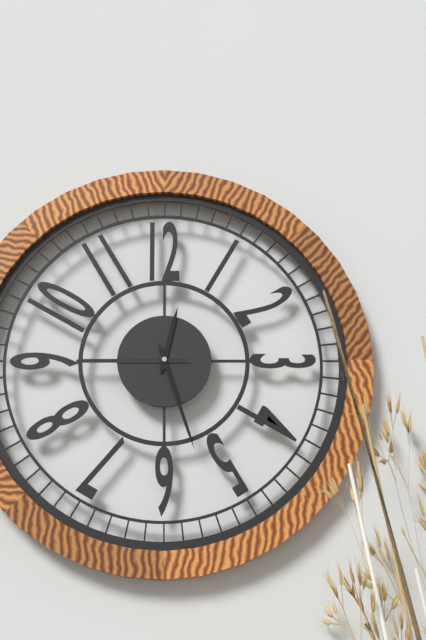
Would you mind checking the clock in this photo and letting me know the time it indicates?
12:27:45
